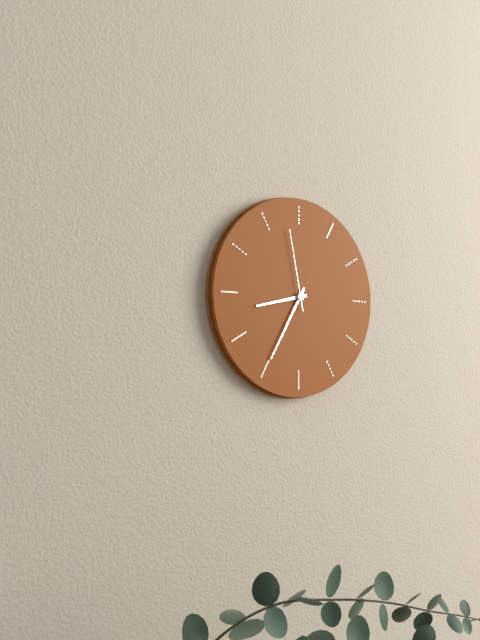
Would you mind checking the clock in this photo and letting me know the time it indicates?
8:35:58
